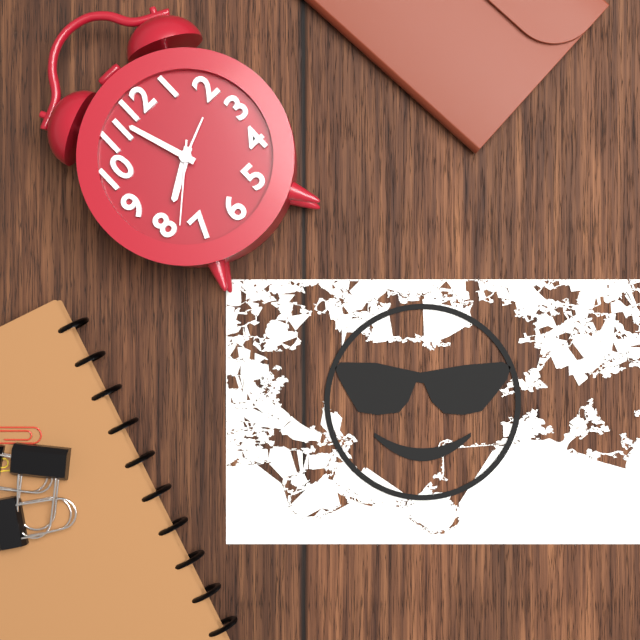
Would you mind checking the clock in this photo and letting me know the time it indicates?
7:57:38
